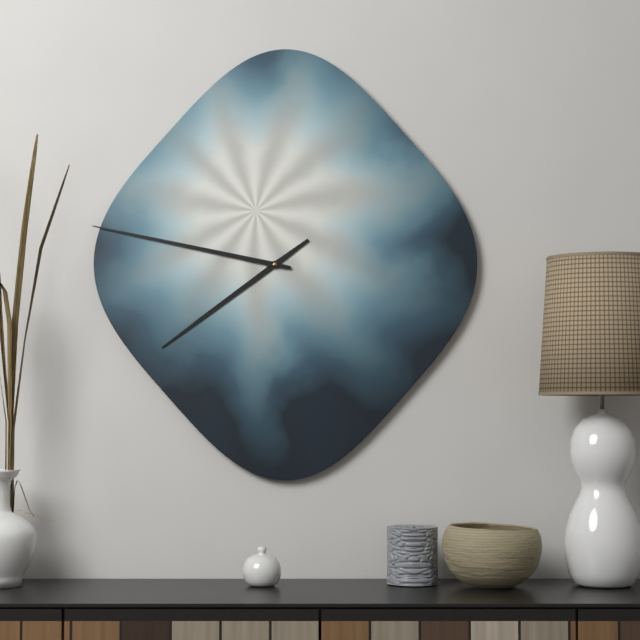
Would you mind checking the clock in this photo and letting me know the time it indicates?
7:47
